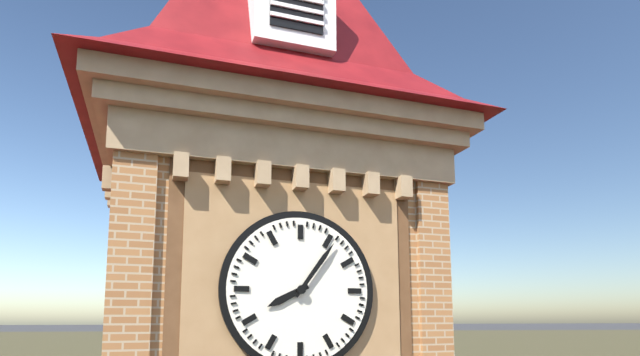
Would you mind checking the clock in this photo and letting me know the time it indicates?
8:06
